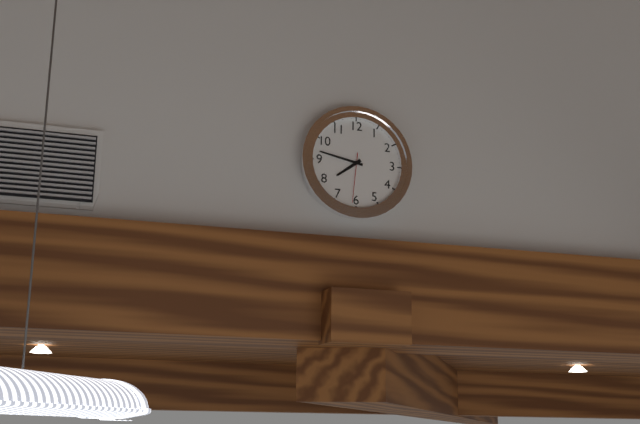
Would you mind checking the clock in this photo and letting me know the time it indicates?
7:47:31
